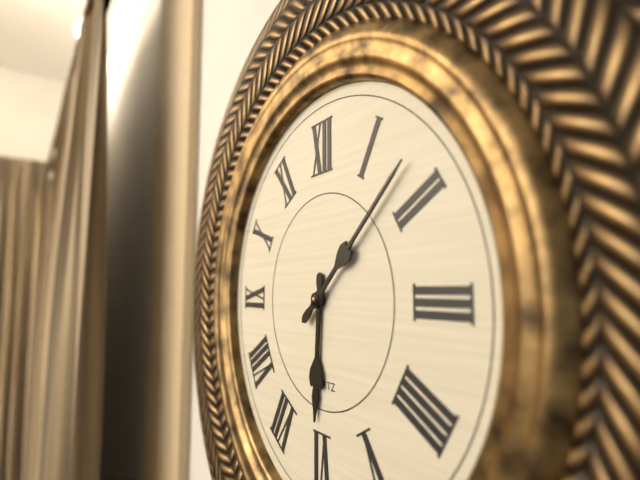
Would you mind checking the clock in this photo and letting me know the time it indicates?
6:08
